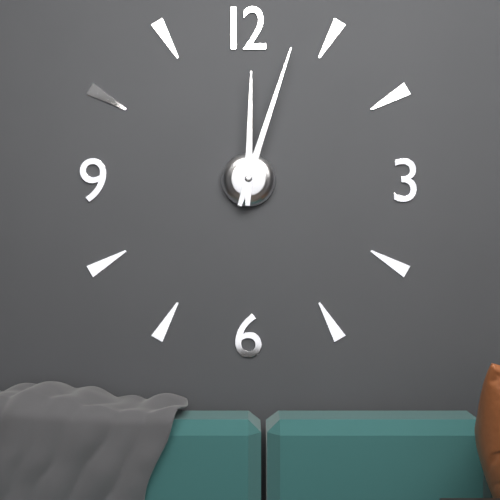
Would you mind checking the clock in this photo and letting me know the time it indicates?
12:03
